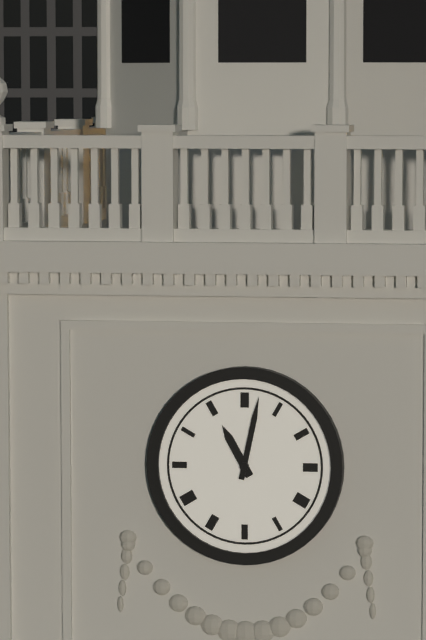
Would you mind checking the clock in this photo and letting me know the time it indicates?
11:02
